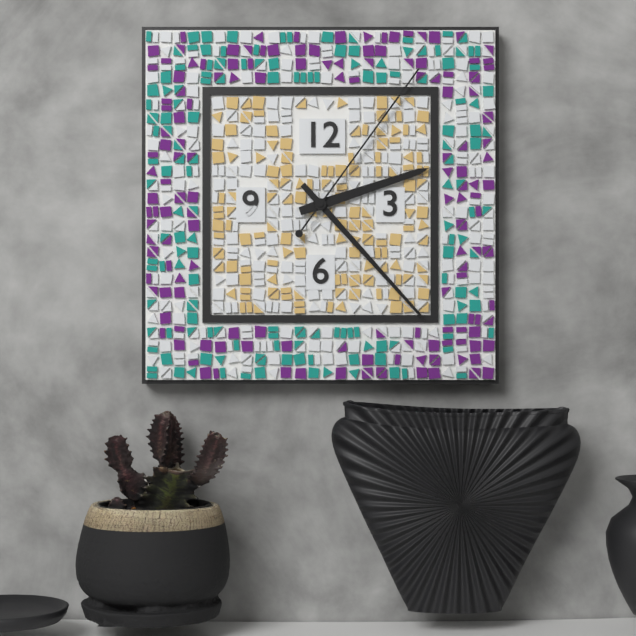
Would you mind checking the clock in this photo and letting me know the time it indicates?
2:23:06
